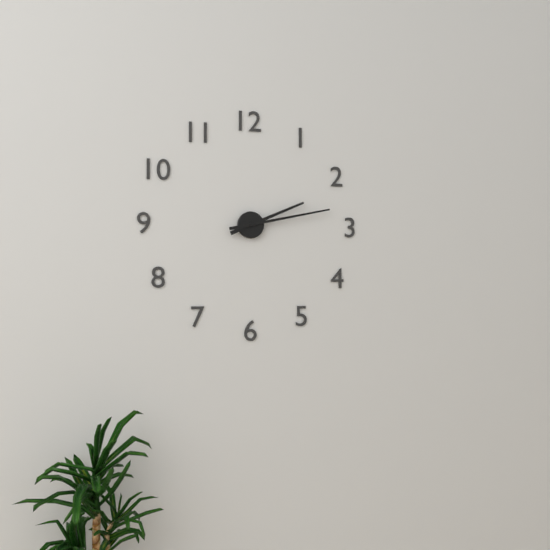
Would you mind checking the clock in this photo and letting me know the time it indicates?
2:13
